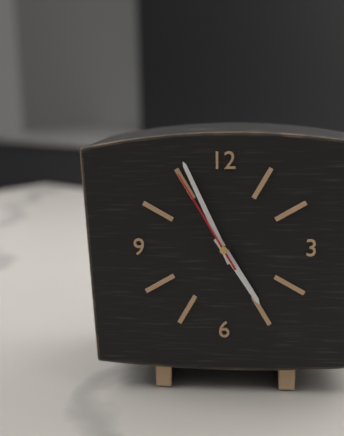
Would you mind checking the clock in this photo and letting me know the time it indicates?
4:56:55
